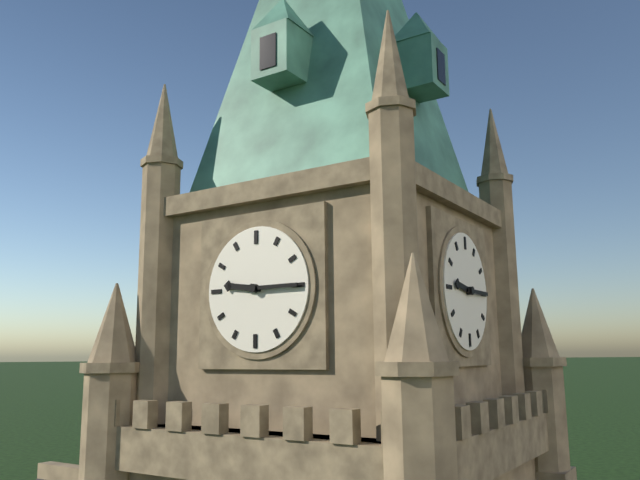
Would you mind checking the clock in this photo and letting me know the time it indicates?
9:15
